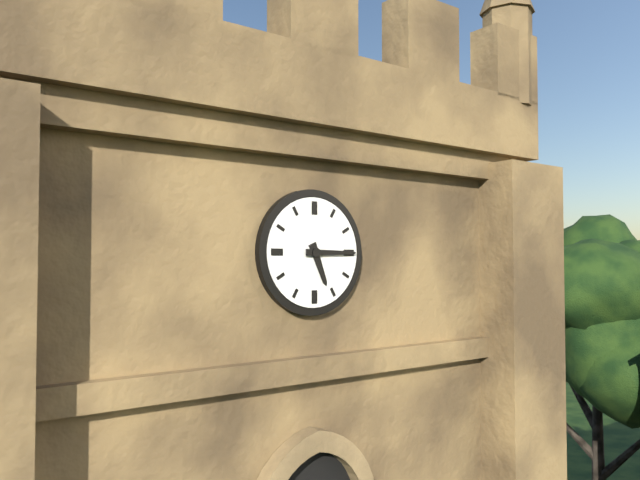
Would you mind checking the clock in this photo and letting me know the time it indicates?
5:15
